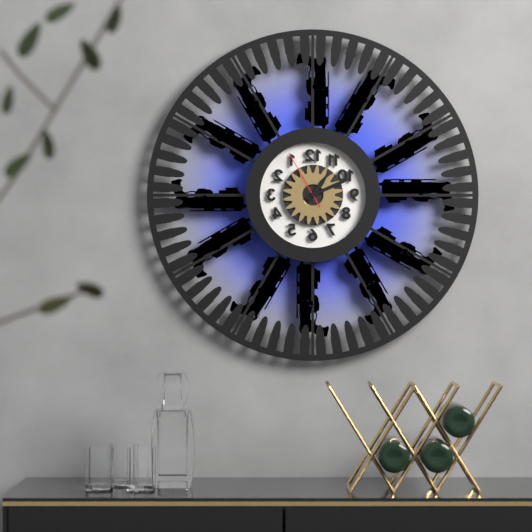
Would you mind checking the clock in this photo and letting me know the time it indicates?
1:11:55
